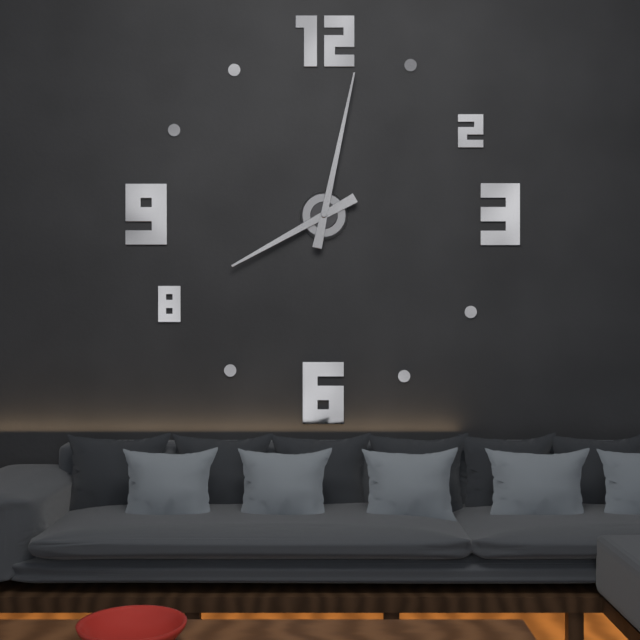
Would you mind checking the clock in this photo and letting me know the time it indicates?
8:02
